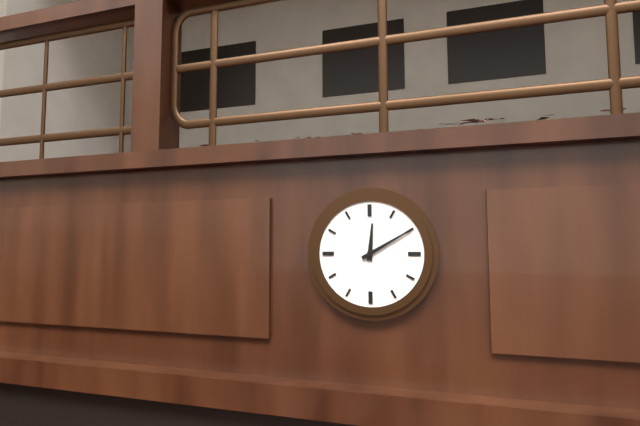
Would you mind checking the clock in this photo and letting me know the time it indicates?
12:10
